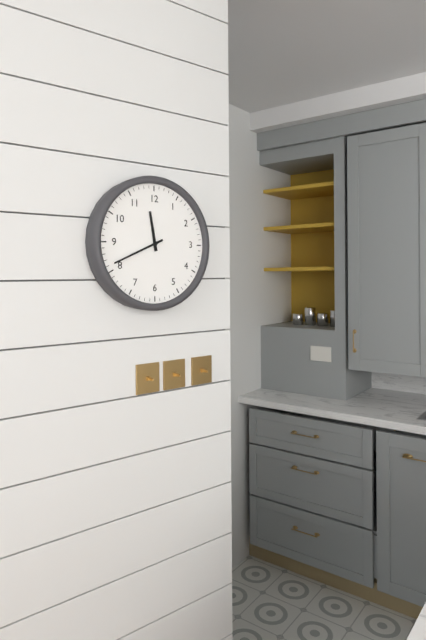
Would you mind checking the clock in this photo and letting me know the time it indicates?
11:41
